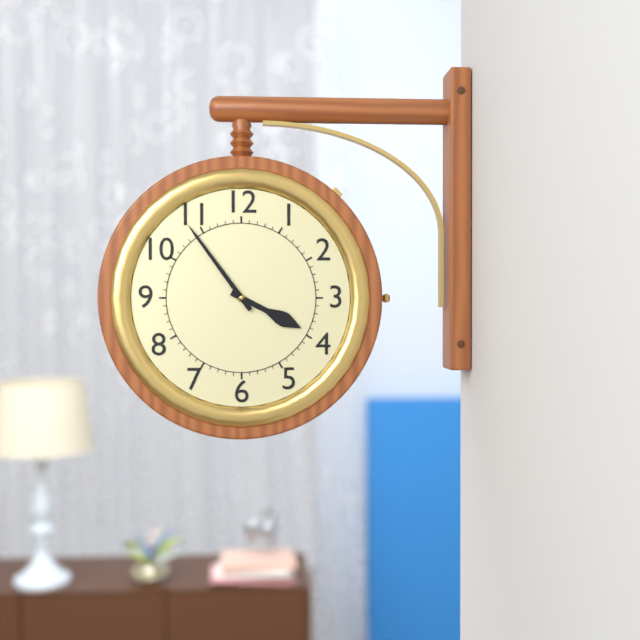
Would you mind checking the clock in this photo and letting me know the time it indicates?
3:54
